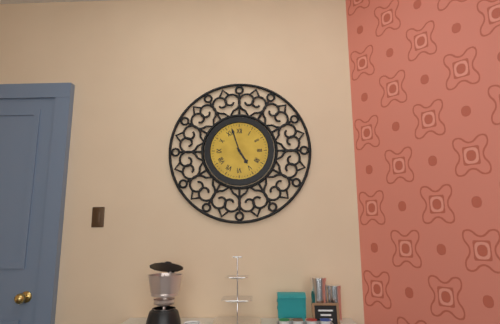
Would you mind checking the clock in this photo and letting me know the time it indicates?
4:57
